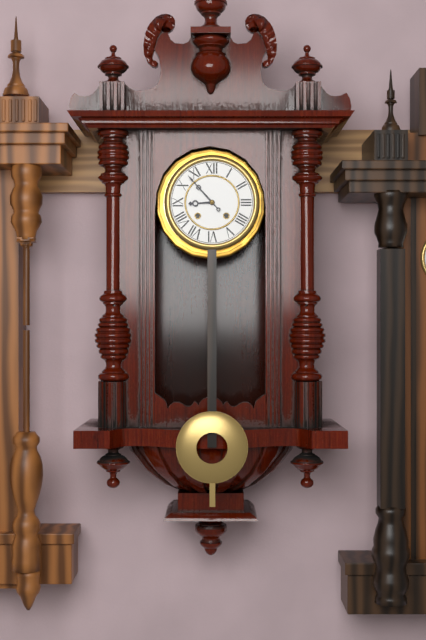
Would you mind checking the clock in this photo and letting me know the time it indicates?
8:53
